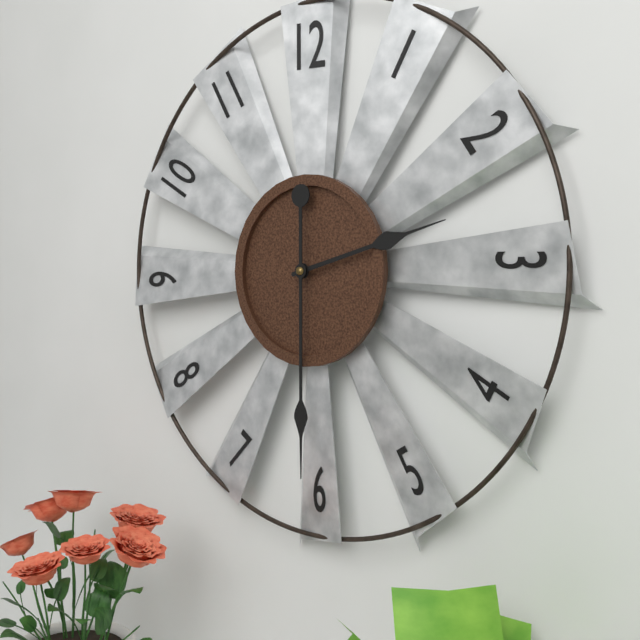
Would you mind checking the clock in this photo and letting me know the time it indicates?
2:30
